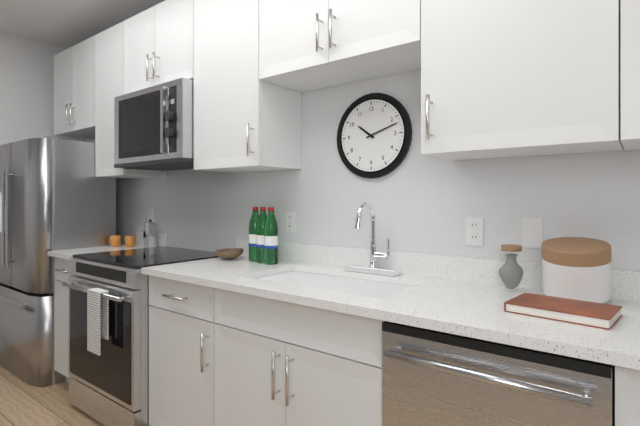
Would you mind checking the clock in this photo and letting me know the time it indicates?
10:12
